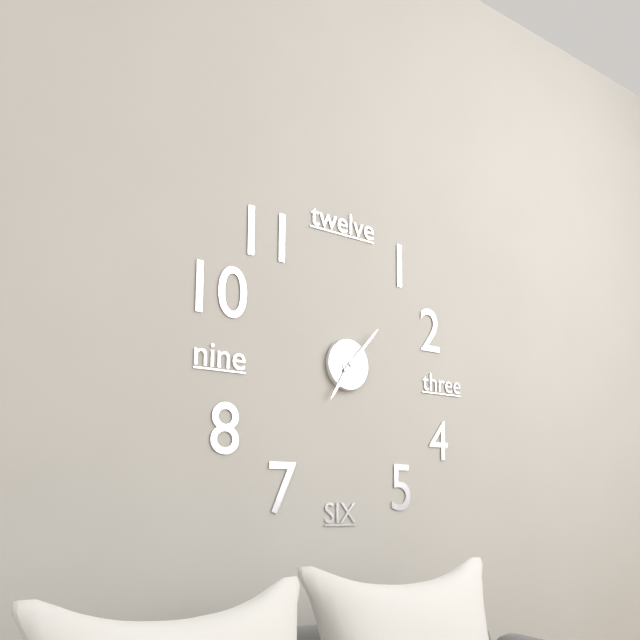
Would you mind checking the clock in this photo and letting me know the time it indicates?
7:07
